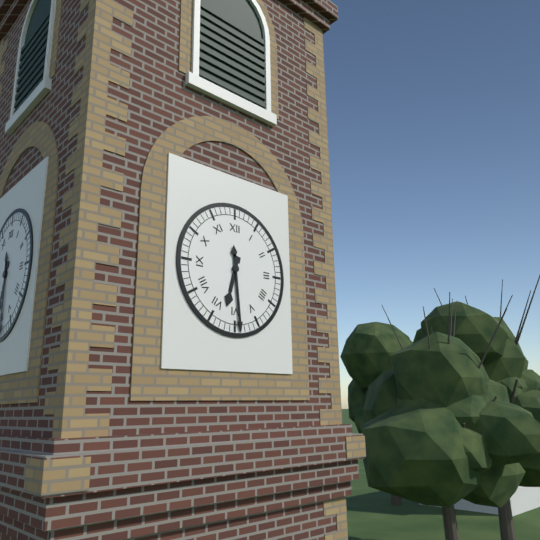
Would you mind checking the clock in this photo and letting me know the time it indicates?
6:29
